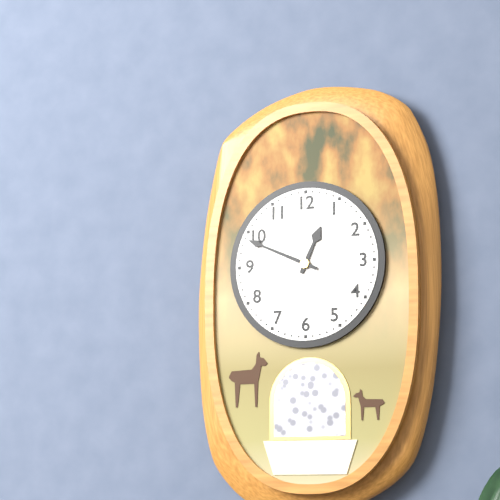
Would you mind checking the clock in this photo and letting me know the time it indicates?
12:49
